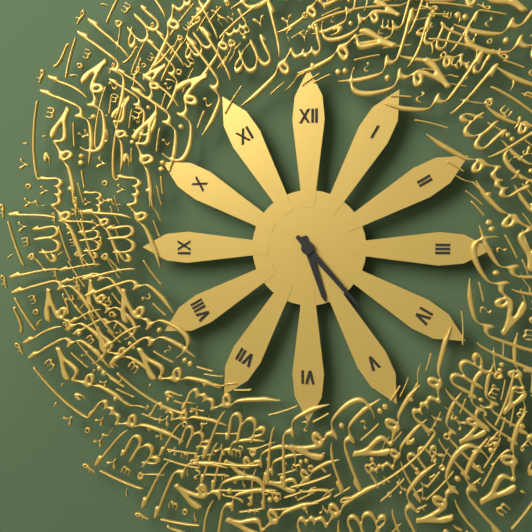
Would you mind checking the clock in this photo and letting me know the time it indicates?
5:23
